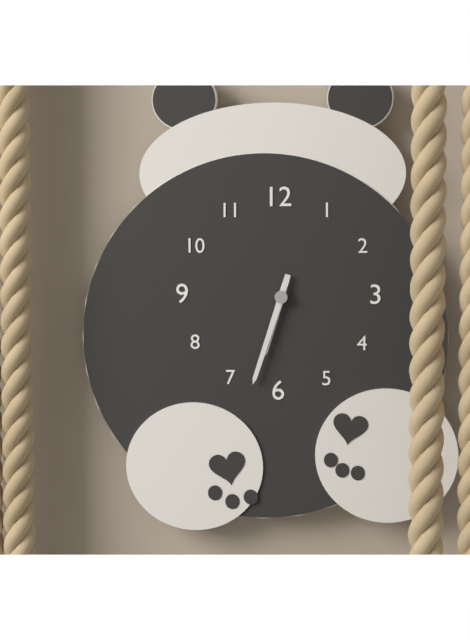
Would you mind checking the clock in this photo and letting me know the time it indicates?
6:33
